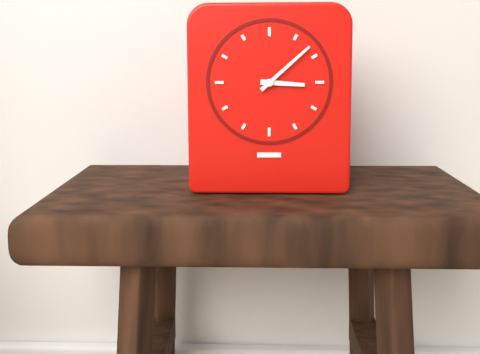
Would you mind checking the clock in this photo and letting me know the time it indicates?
3:08
